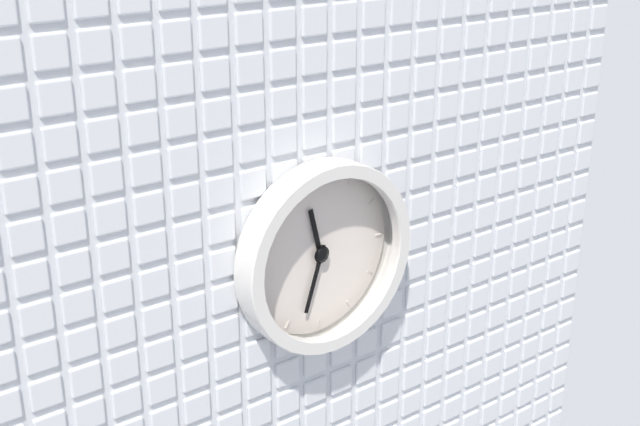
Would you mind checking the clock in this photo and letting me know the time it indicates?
11:33
